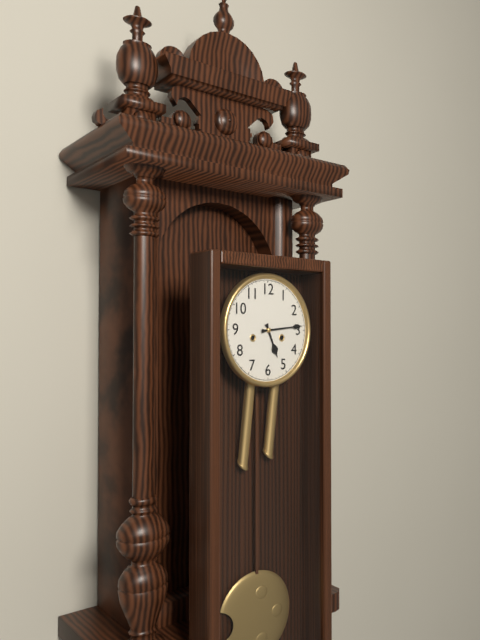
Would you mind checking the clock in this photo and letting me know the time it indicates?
5:14
